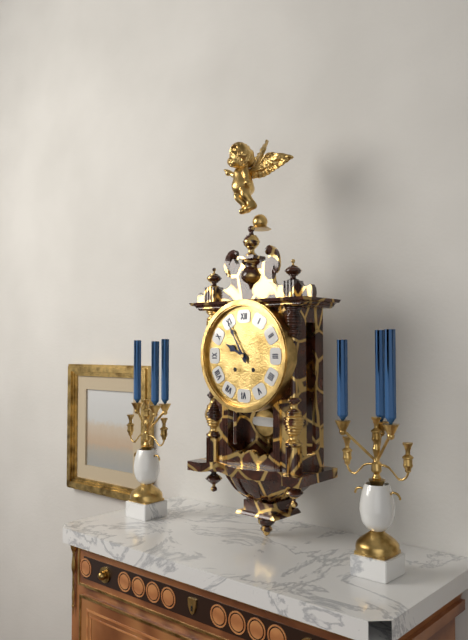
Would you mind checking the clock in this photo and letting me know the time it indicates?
9:55
